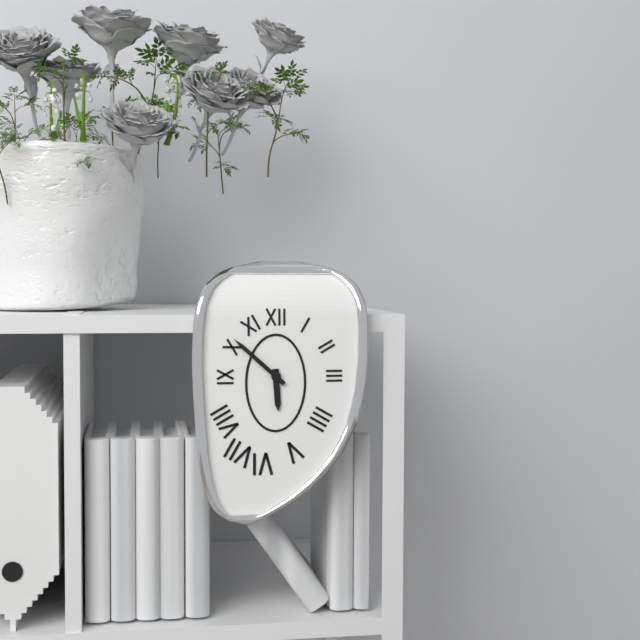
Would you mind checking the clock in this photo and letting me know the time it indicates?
5:52
